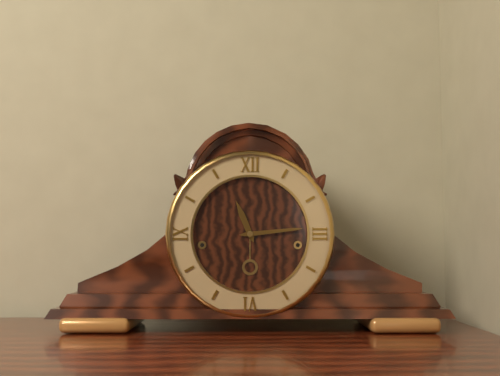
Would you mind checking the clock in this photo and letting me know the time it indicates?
11:14
